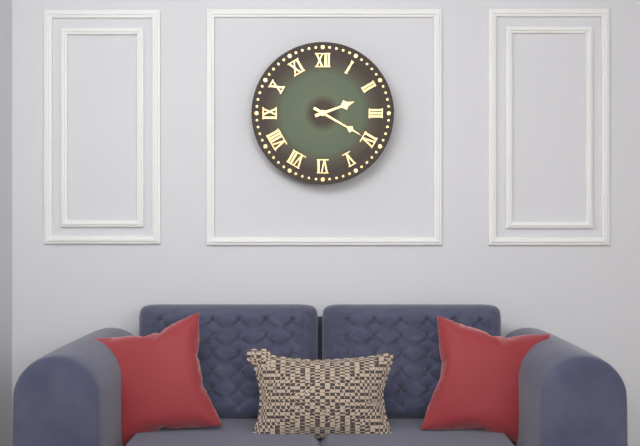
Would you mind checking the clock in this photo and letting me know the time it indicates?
2:20
